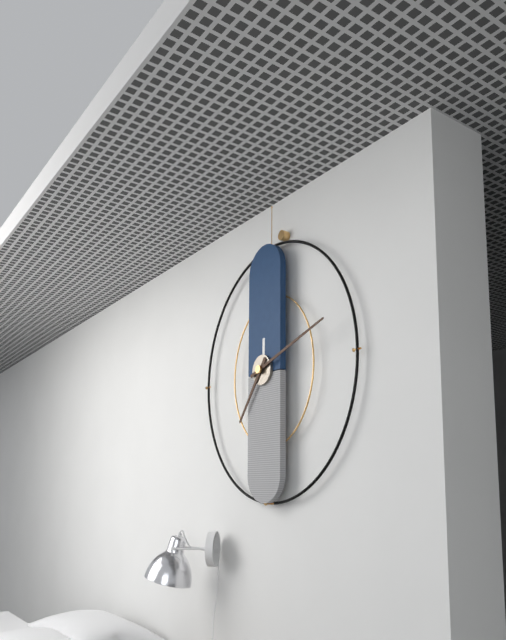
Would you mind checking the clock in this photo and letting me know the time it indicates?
7:12
